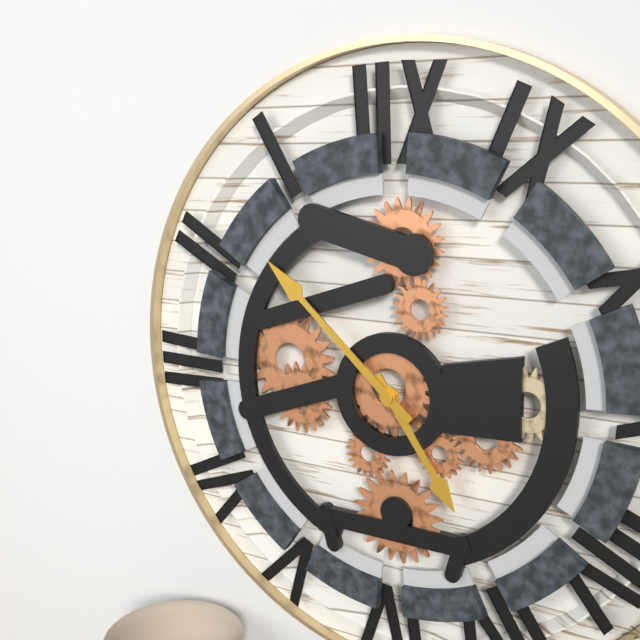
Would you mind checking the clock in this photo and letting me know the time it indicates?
4:52
